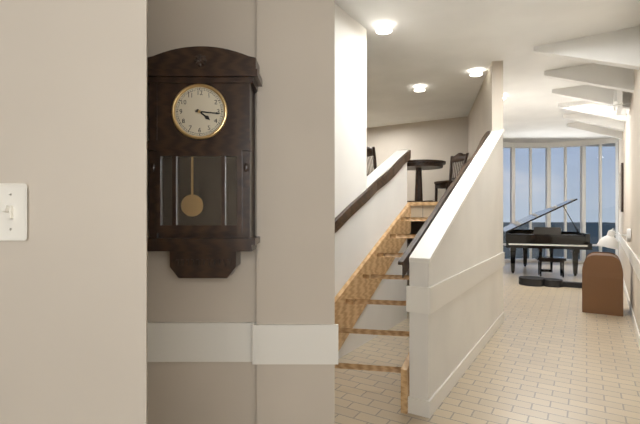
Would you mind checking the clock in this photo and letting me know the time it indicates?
4:16
